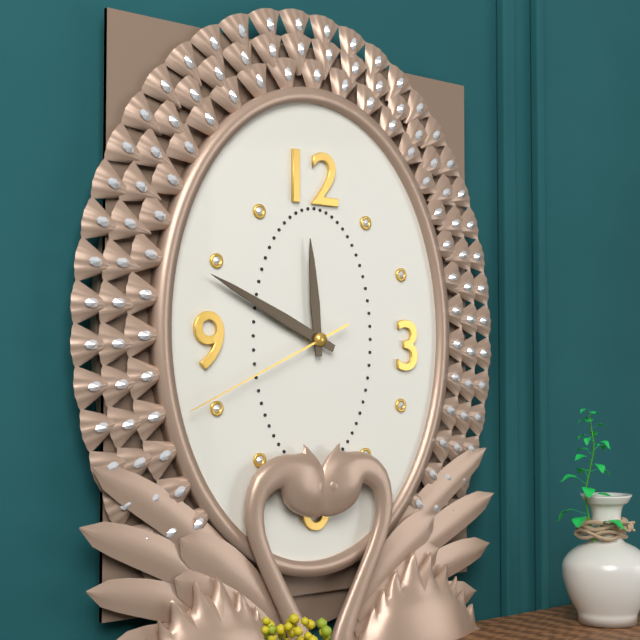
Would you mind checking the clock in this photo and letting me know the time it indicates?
11:49:41
